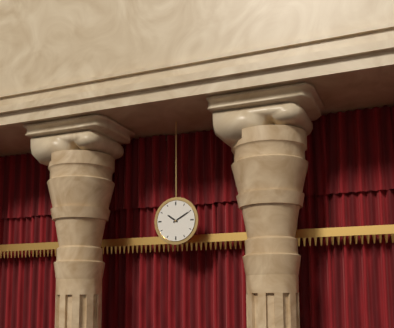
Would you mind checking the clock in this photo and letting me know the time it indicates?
10:10
